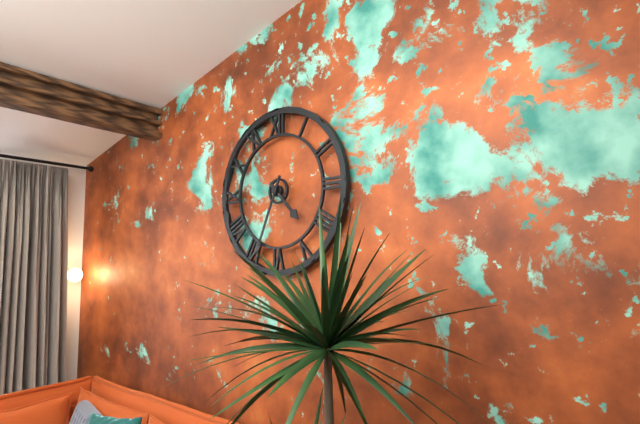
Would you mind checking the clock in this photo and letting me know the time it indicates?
4:34
